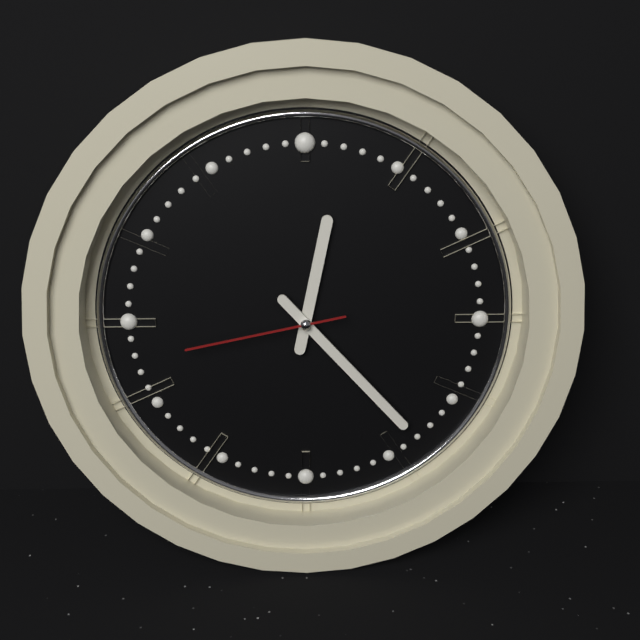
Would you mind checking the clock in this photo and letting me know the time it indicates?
12:23:43
